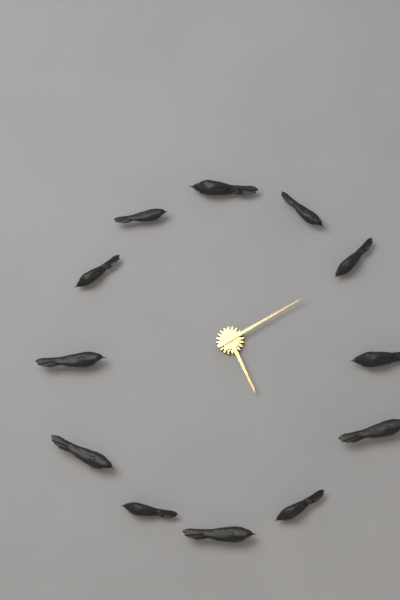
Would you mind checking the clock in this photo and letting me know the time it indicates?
5:10
